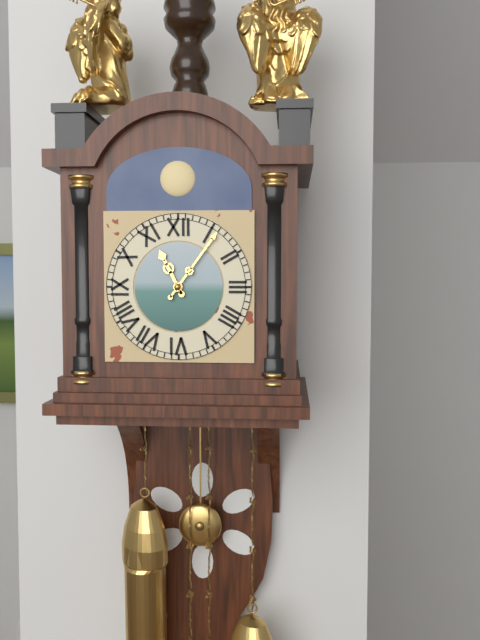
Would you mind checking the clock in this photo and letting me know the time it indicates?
11:06
